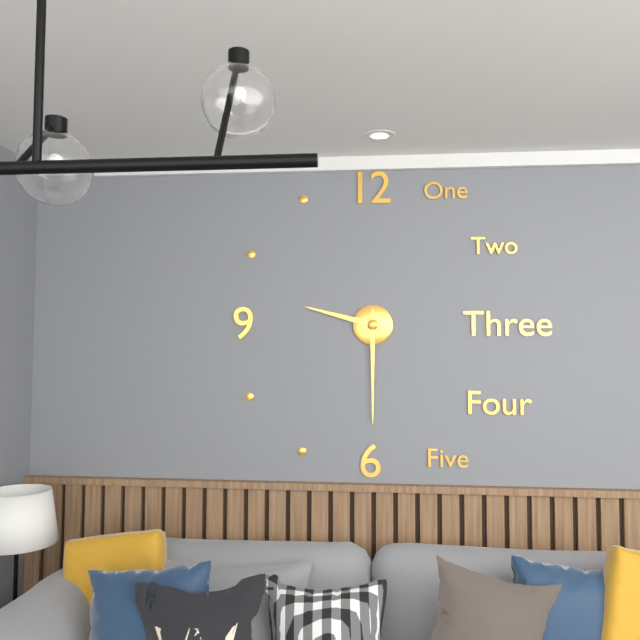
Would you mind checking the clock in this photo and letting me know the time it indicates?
9:30
